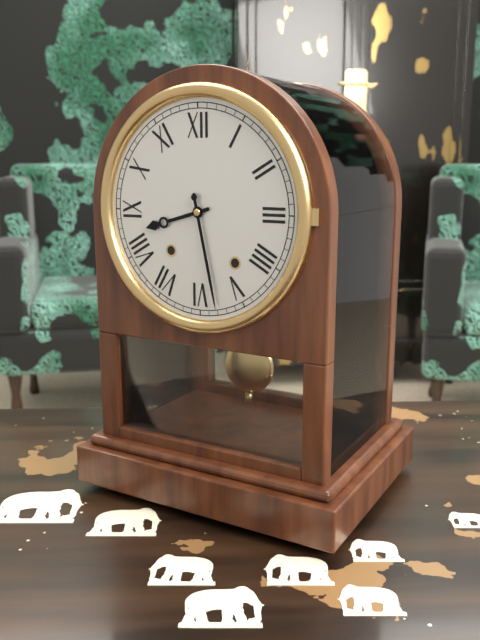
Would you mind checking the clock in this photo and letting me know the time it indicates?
8:28
